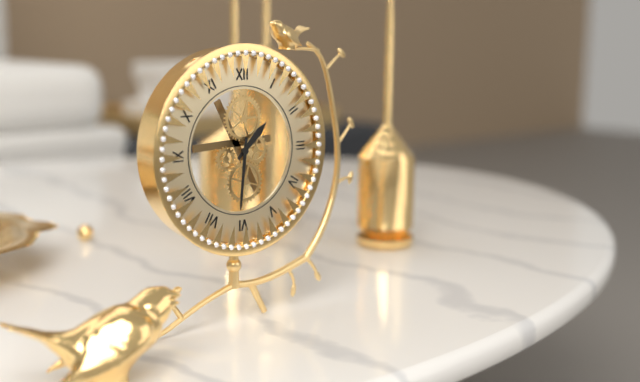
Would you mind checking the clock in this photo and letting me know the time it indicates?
1:31
